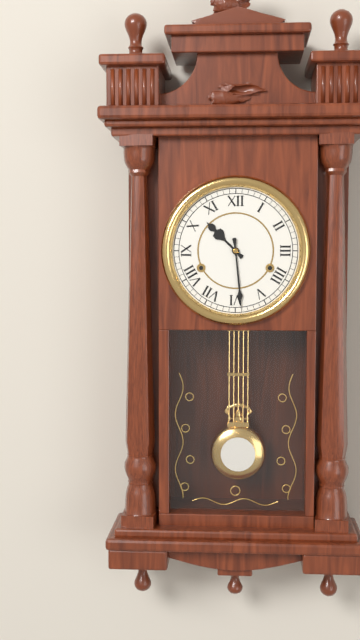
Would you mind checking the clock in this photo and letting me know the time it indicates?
10:29
